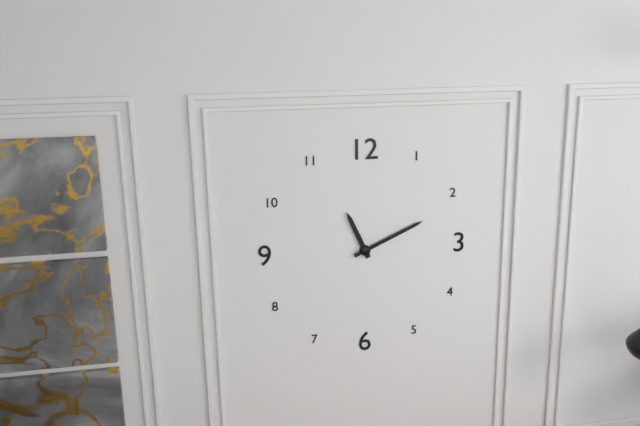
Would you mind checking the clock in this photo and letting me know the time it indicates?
11:11
